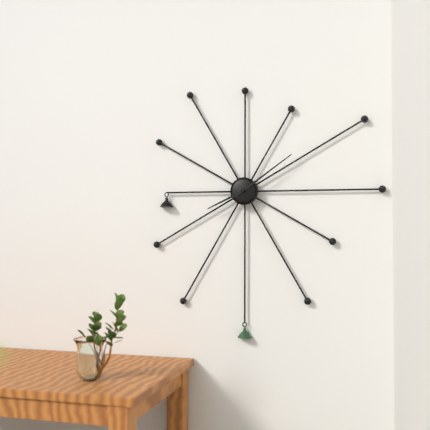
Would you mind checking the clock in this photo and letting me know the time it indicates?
8:09
